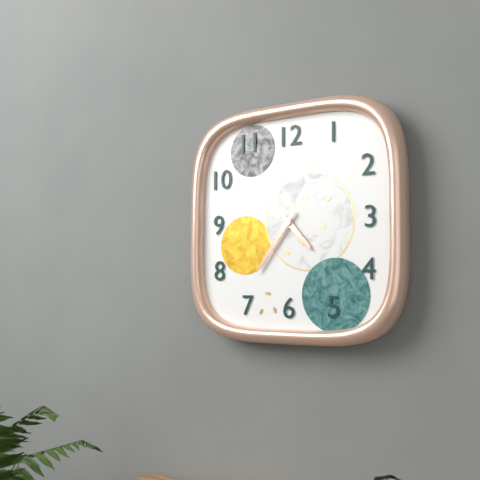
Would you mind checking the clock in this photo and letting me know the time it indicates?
4:36
